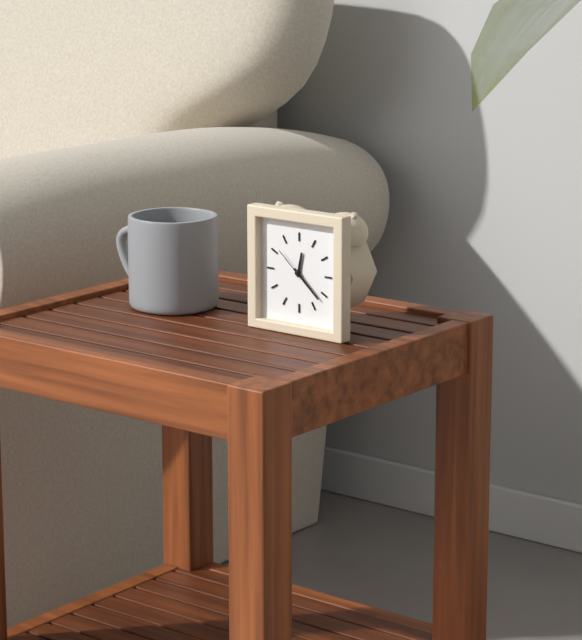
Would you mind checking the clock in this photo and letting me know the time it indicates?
12:22
